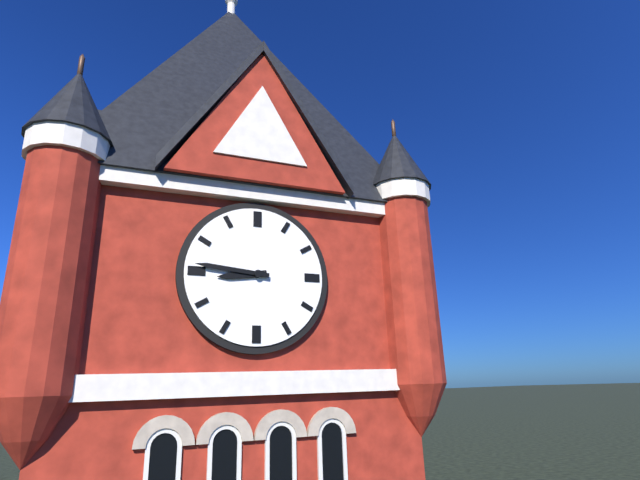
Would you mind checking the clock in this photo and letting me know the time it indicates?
8:46
